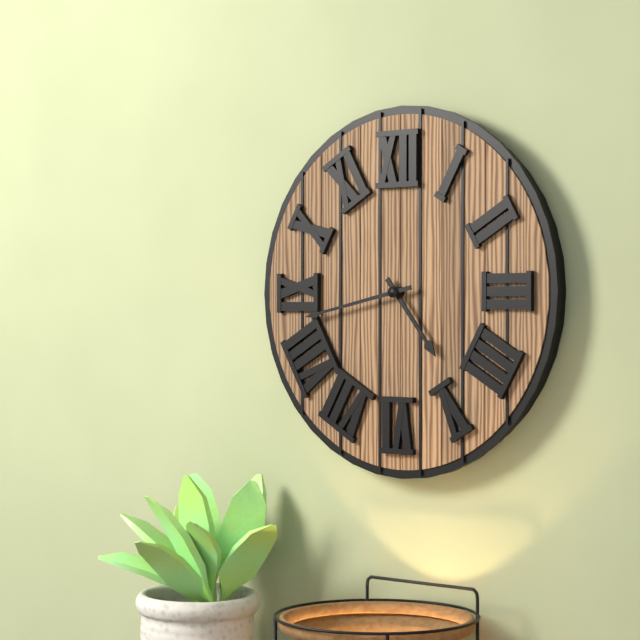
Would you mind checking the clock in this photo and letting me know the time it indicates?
4:43
